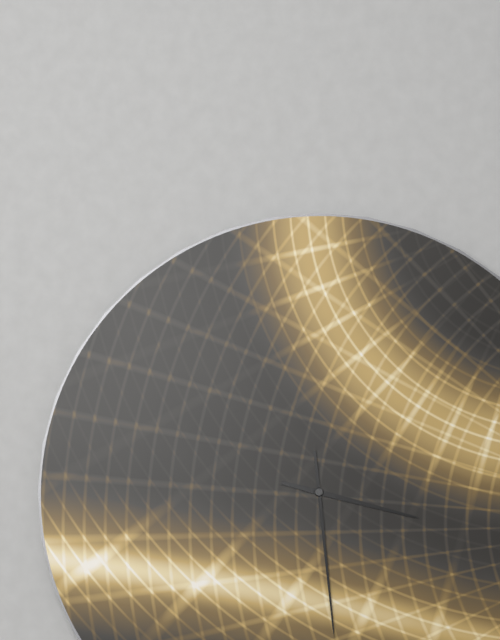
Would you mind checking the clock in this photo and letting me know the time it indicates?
3:29
